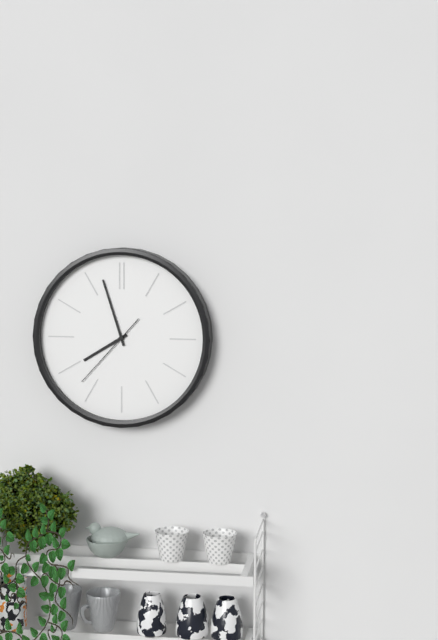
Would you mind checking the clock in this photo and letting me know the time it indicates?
7:57:37
